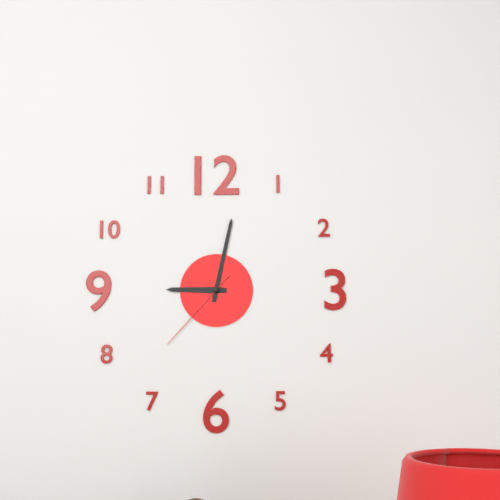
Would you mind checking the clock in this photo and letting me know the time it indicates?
9:02:37
